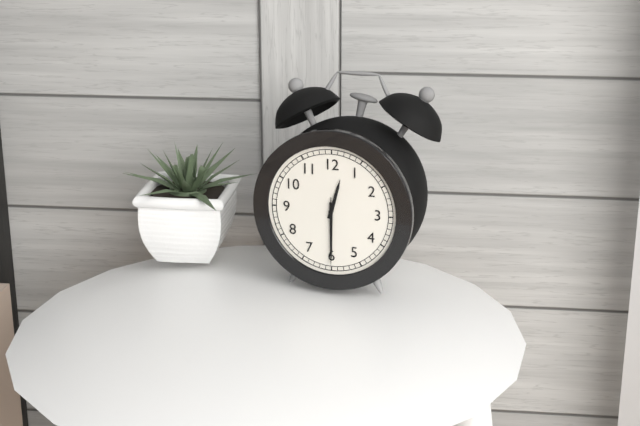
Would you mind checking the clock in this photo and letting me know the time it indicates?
12:30:30
